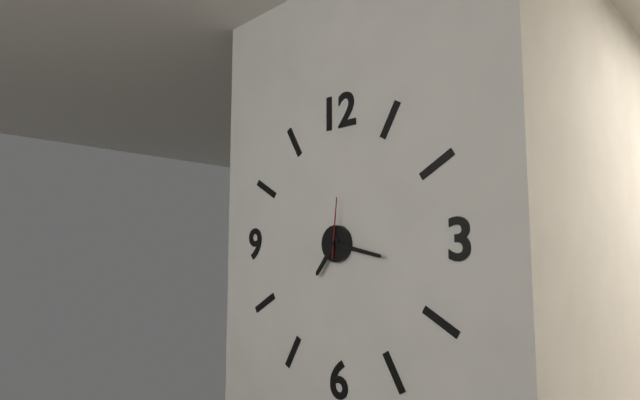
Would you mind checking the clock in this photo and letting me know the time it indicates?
7:17:01
